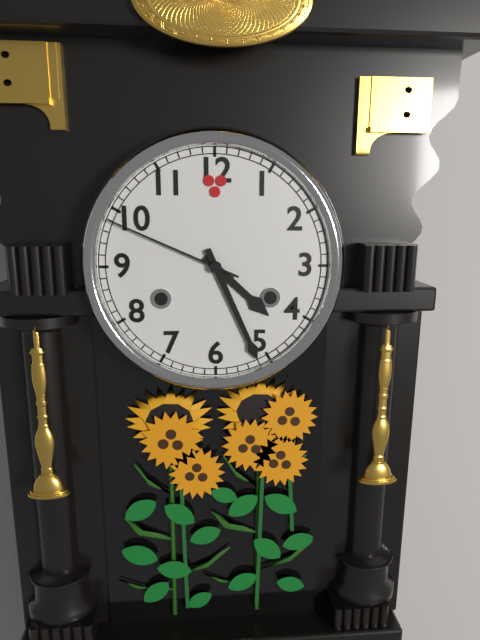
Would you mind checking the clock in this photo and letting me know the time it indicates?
4:26:49
